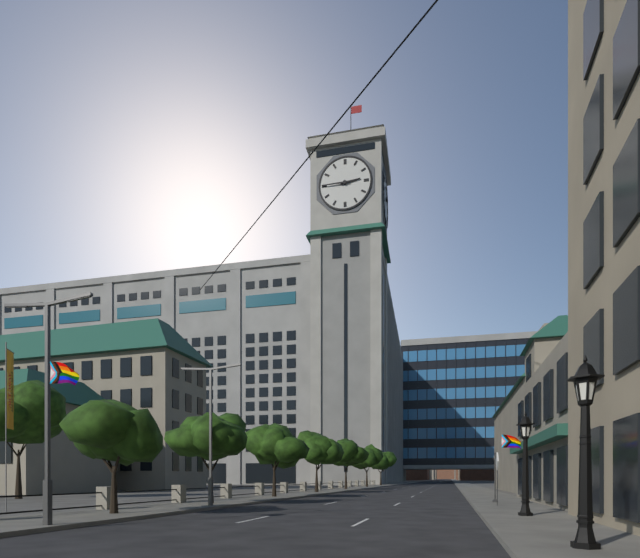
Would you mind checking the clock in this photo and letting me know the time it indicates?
2:45
